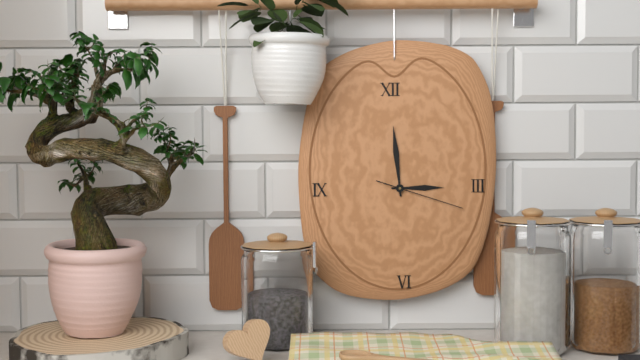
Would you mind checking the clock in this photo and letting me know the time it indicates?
2:59:18
